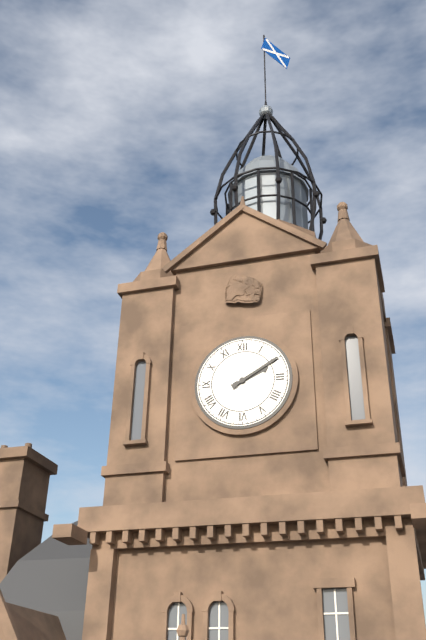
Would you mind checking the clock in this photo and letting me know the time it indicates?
2:10
